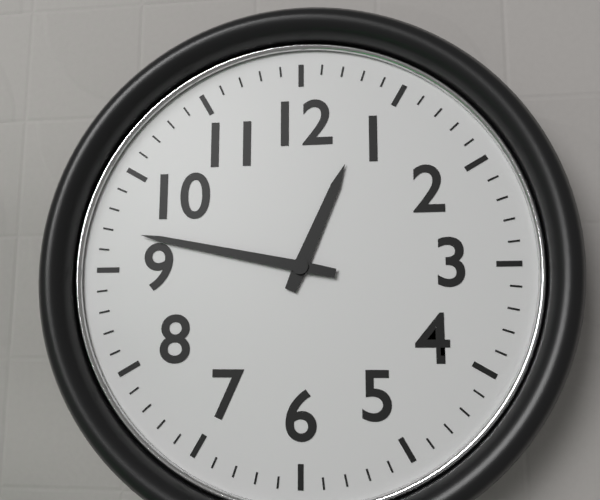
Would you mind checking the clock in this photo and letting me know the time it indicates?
12:47
